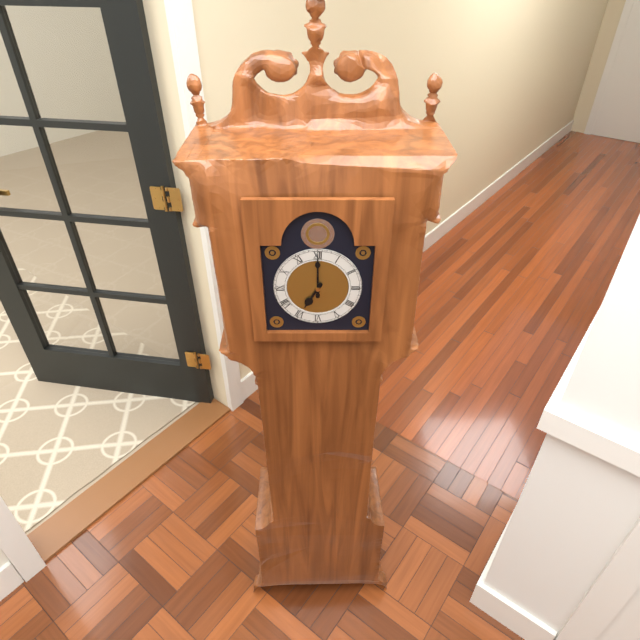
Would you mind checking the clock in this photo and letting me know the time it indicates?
7:00
